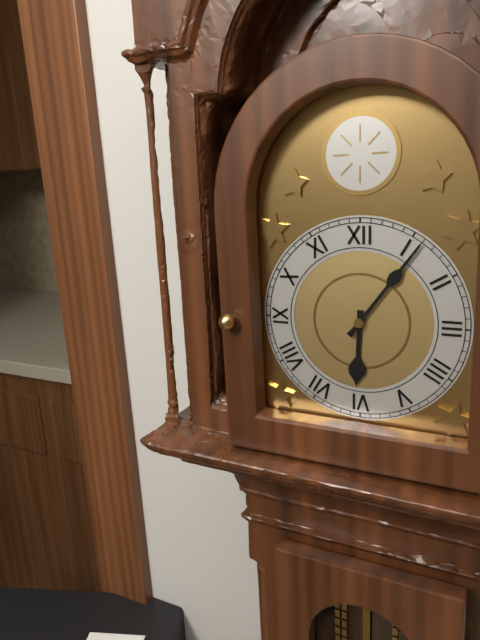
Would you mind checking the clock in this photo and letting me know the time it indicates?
6:06
